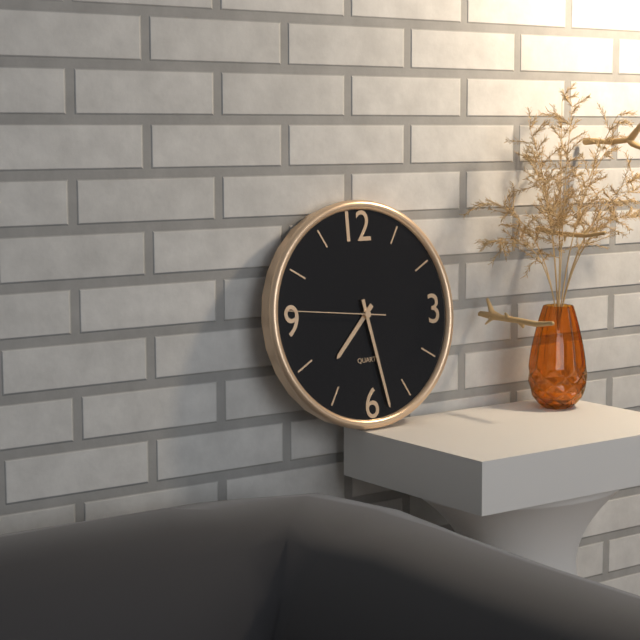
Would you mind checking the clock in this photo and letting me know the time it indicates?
7:28:46
